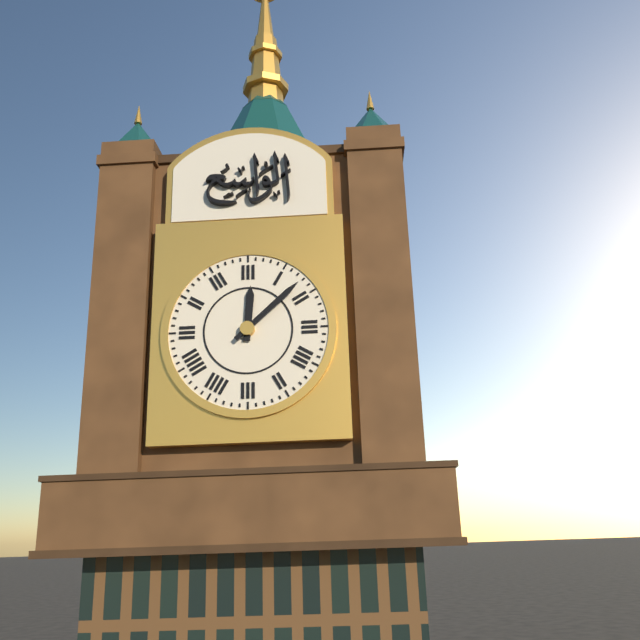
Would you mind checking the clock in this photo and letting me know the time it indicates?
12:08
